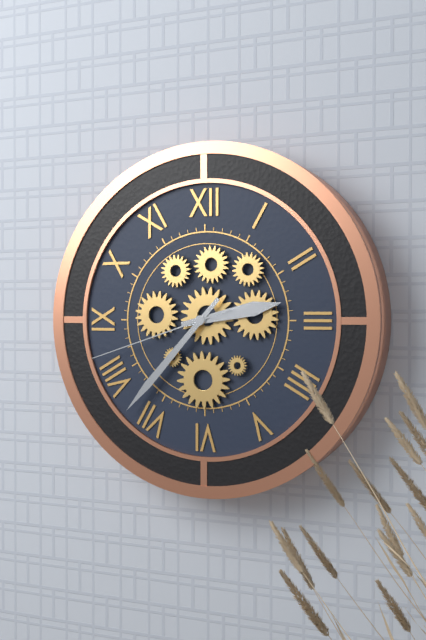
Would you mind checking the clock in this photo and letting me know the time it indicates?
2:37:42
